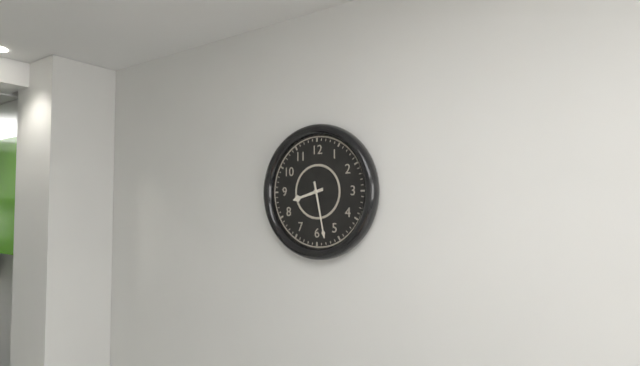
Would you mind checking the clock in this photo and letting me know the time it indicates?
8:28
